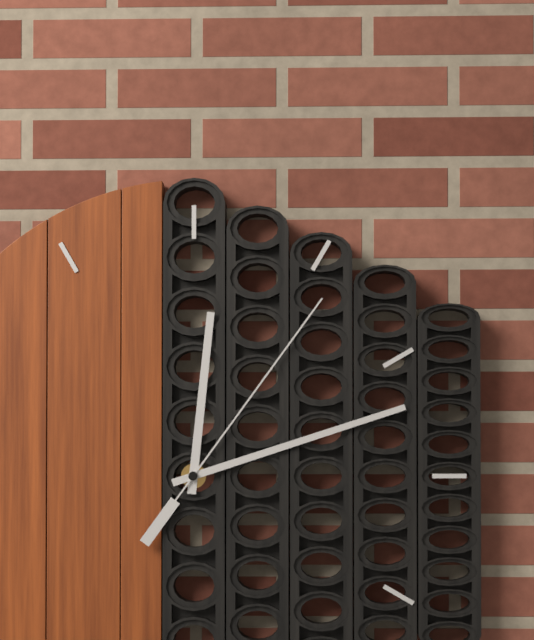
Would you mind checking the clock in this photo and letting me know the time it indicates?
12:12:06
